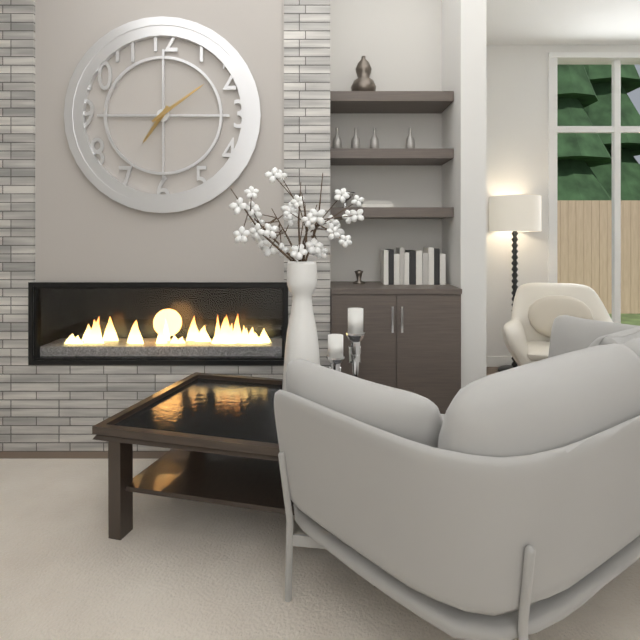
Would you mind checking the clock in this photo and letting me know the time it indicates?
7:09
